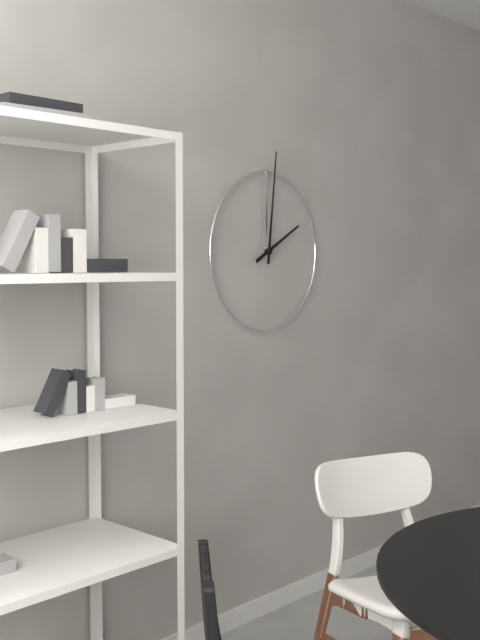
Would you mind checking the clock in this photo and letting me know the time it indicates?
2:01
